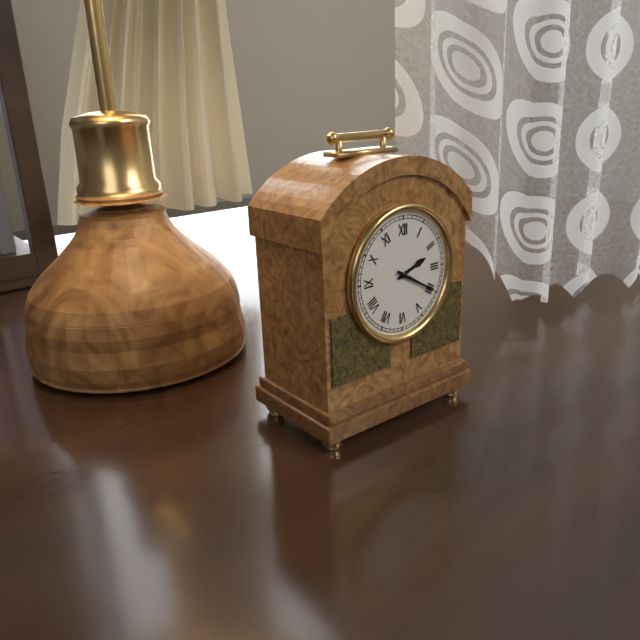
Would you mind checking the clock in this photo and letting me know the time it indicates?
2:20
